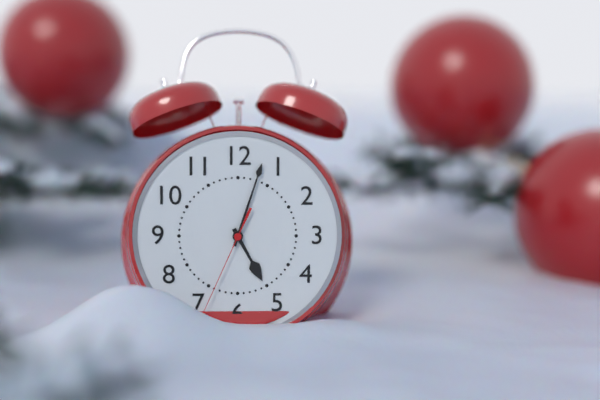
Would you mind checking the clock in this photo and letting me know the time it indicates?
5:03:34
